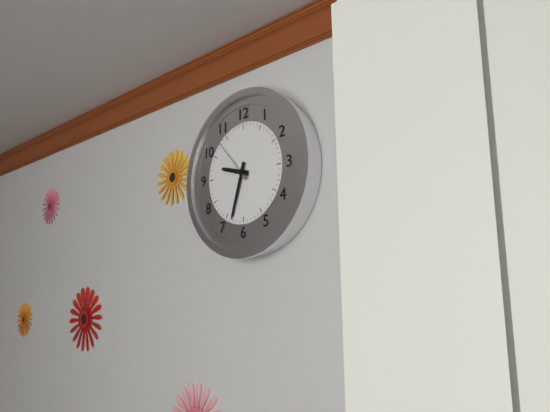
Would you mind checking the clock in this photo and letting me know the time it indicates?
9:33
